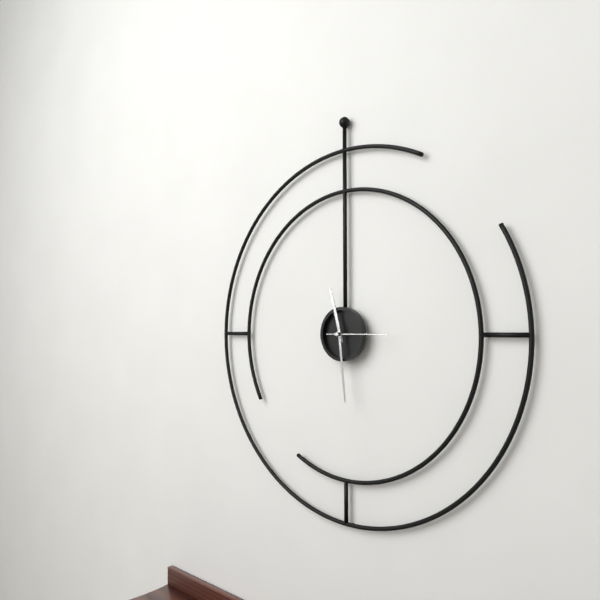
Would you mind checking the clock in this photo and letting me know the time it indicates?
11:29:15
